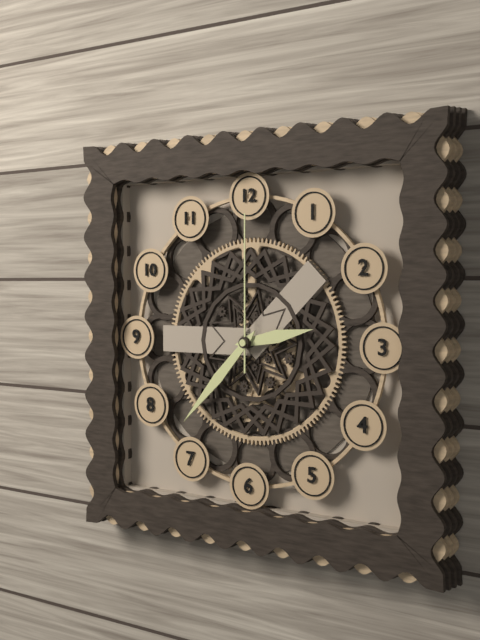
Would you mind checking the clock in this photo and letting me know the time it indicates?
2:37:00
